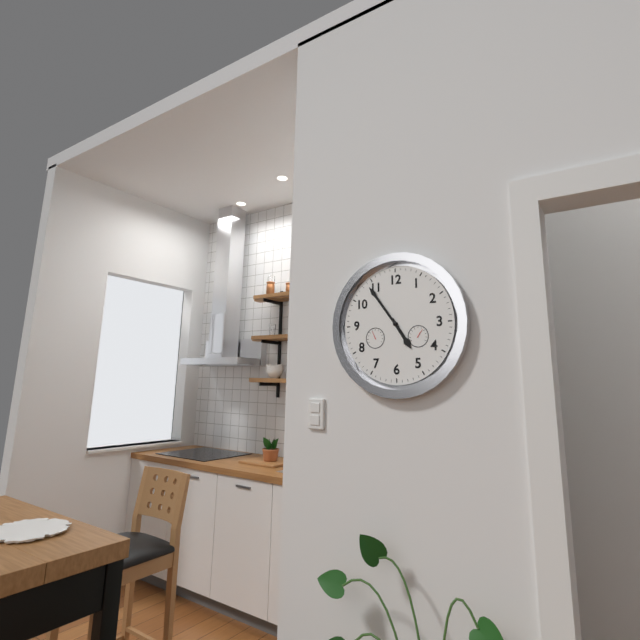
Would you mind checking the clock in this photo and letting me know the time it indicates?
4:54
